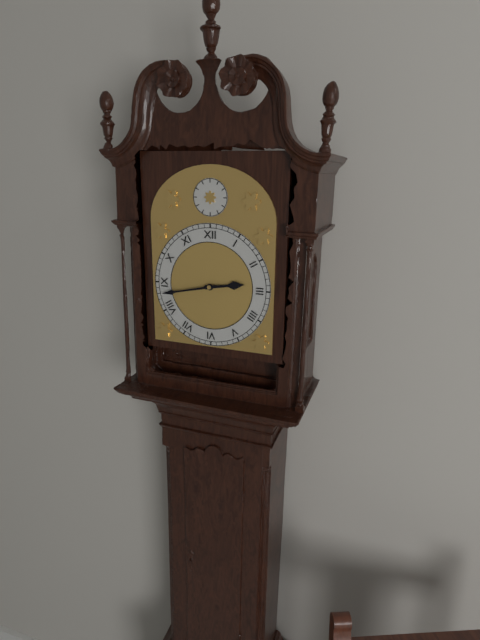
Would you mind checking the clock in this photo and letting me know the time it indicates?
2:43
